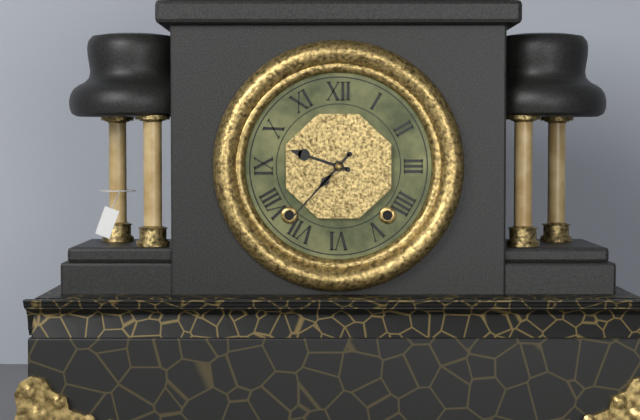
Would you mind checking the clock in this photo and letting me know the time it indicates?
9:37
